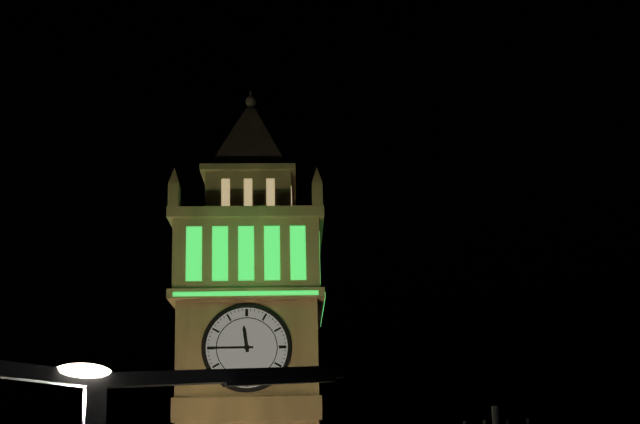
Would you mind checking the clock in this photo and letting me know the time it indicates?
11:45
